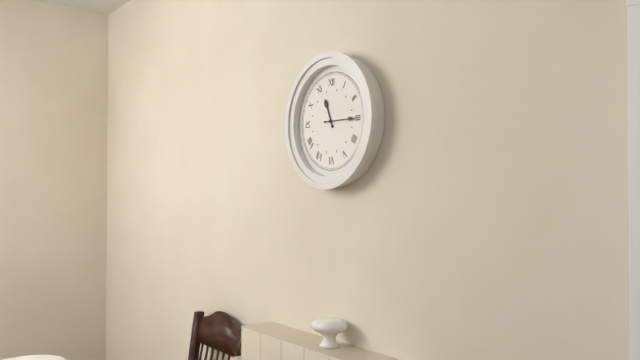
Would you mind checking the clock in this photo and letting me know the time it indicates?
11:15
